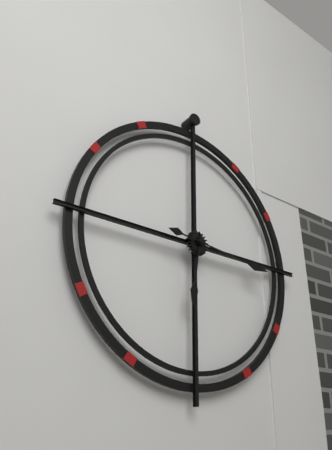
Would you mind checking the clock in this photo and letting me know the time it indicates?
6:16
